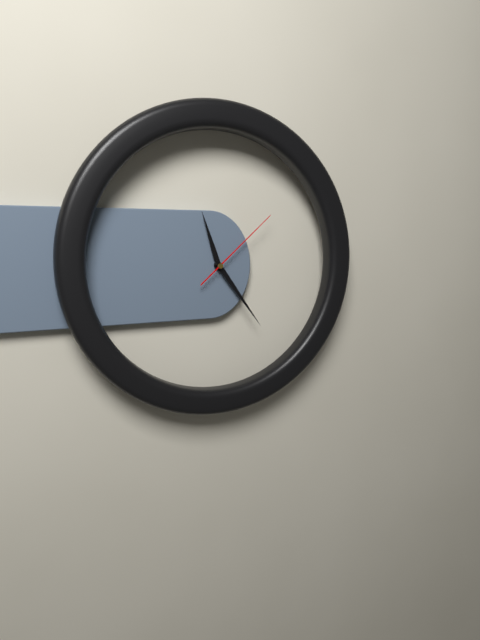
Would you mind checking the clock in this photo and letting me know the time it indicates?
11:24:08
